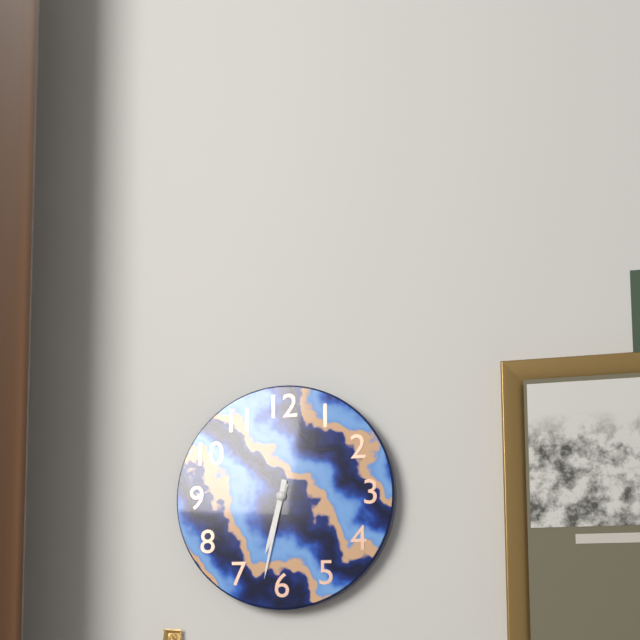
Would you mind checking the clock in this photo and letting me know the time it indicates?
6:32
